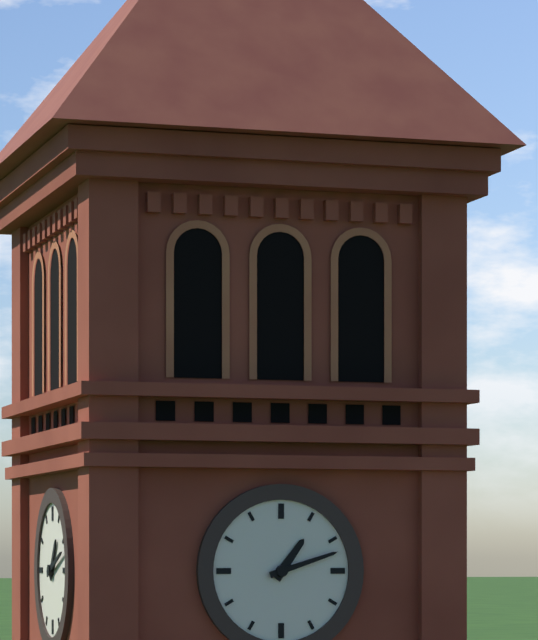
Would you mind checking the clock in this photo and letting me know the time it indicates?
1:12
